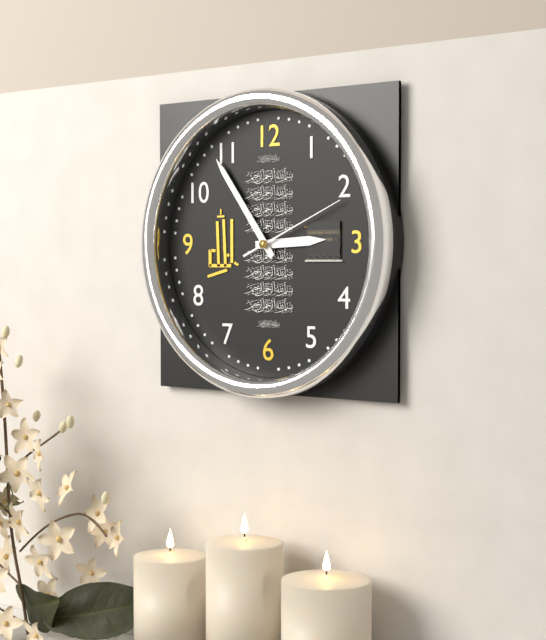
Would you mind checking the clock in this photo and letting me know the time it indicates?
2:54:11
